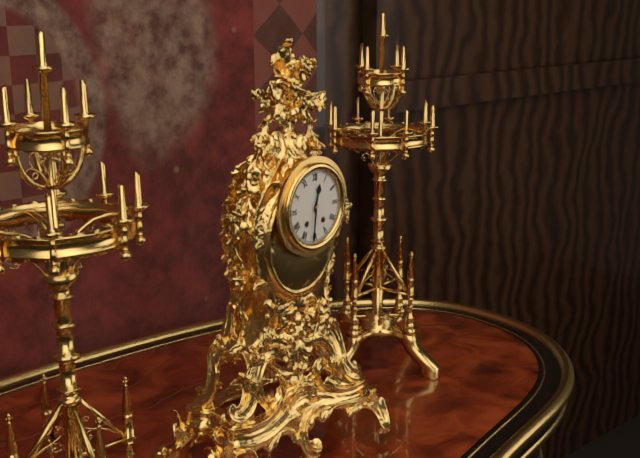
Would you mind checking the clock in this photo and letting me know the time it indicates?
12:31
